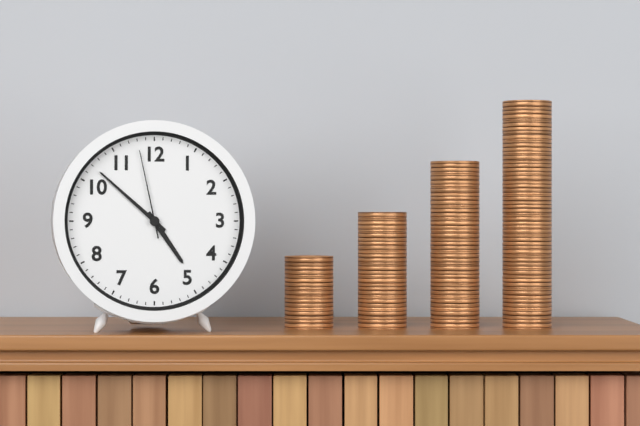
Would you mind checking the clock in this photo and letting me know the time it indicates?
4:52:58
